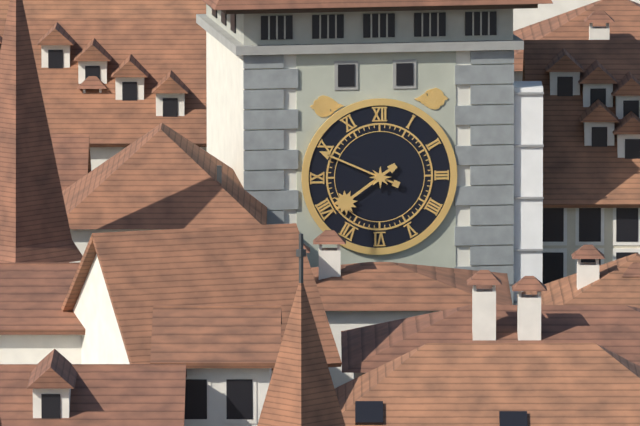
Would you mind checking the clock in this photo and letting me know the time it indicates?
7:49
